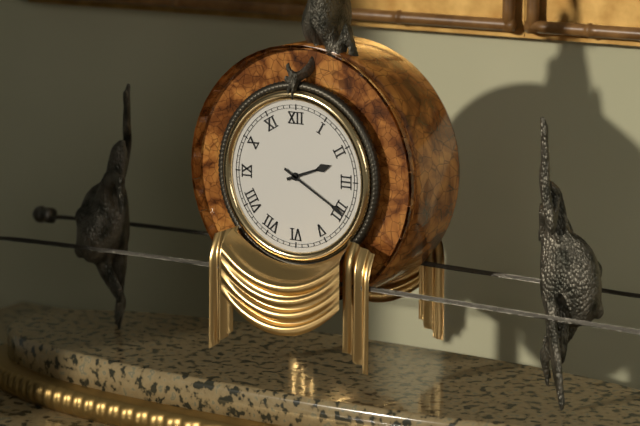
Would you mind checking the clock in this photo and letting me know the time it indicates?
2:20
